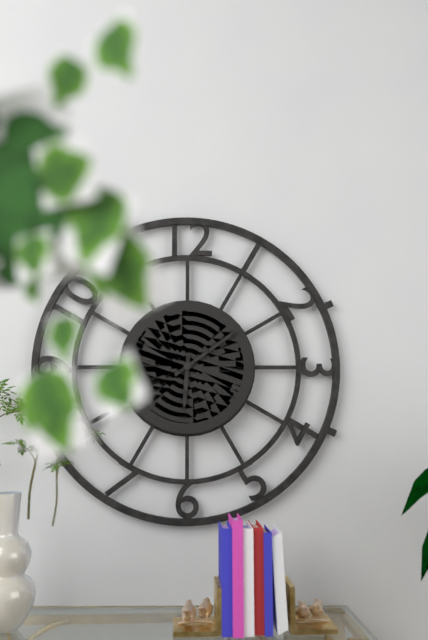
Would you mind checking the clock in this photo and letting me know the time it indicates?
6:09
